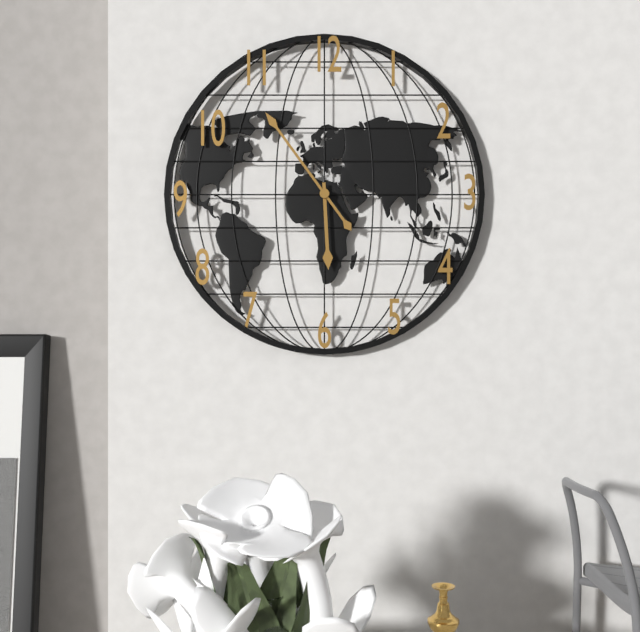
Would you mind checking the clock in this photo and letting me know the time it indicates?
5:54
